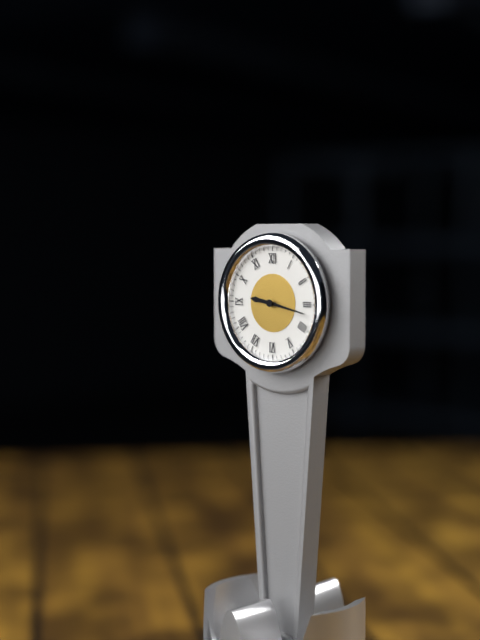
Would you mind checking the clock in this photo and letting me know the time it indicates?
9:17
